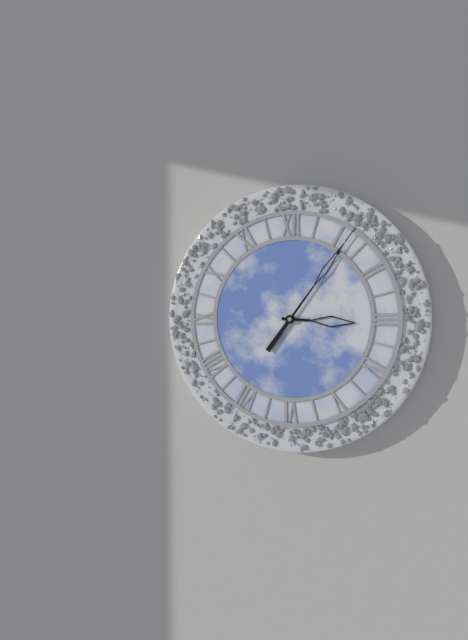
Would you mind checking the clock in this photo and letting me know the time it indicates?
3:06
